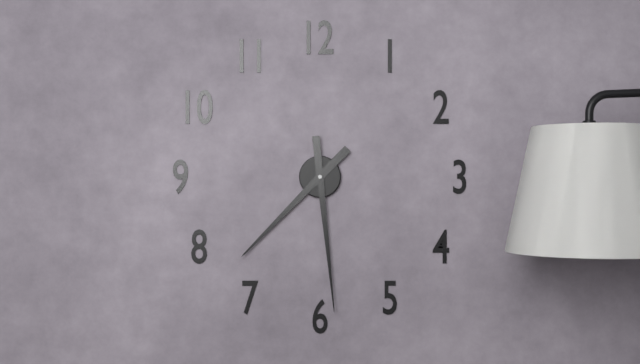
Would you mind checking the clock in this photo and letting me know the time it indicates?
7:29
